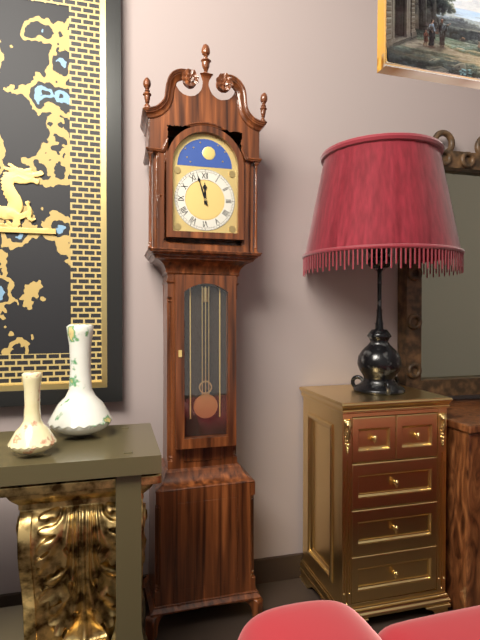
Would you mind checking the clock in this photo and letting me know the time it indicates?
11:57
